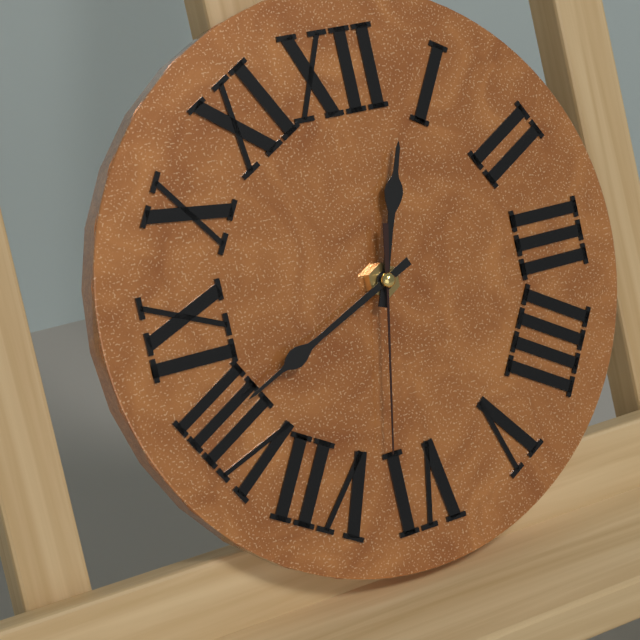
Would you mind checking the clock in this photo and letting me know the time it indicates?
12:41:32
